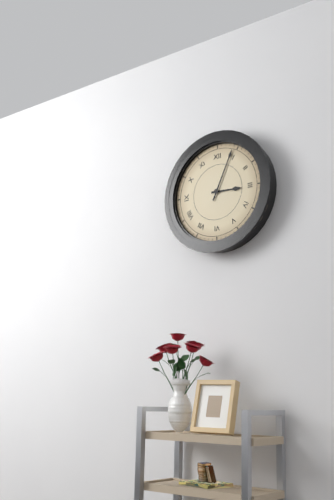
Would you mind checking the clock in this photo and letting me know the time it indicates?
3:04
